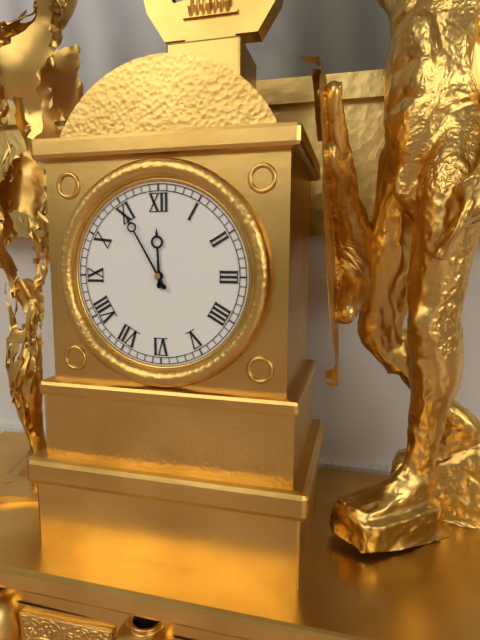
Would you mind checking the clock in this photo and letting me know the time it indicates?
11:55
